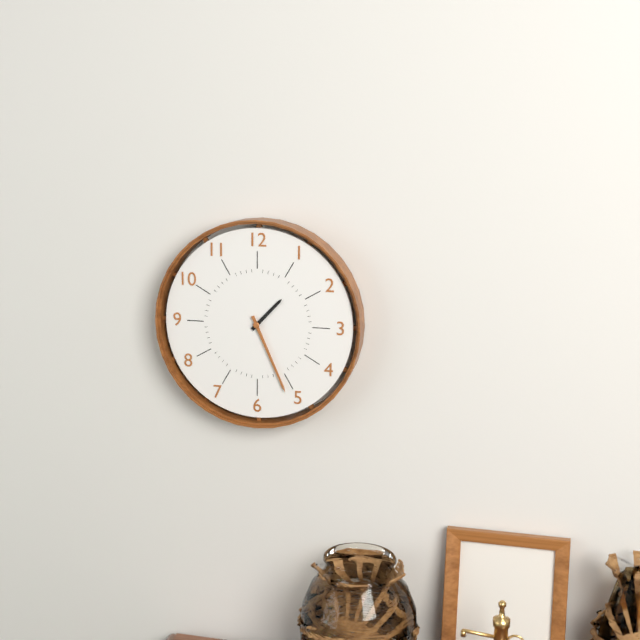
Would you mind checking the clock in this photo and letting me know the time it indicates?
1:26
